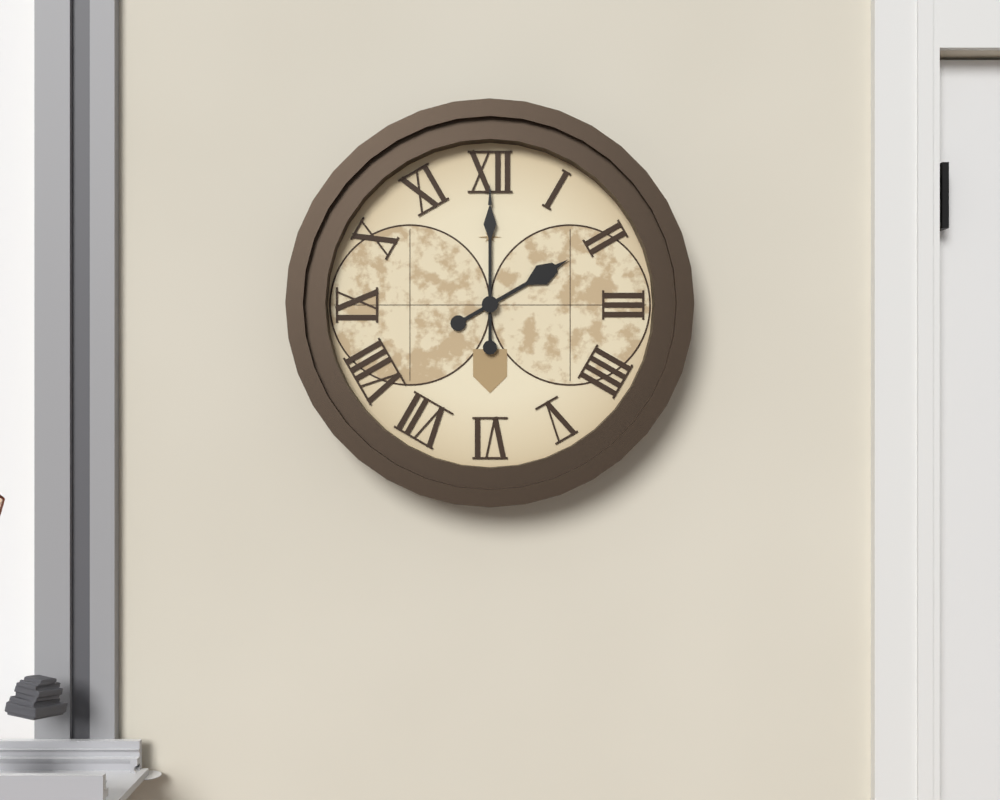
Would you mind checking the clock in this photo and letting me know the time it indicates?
2:00
